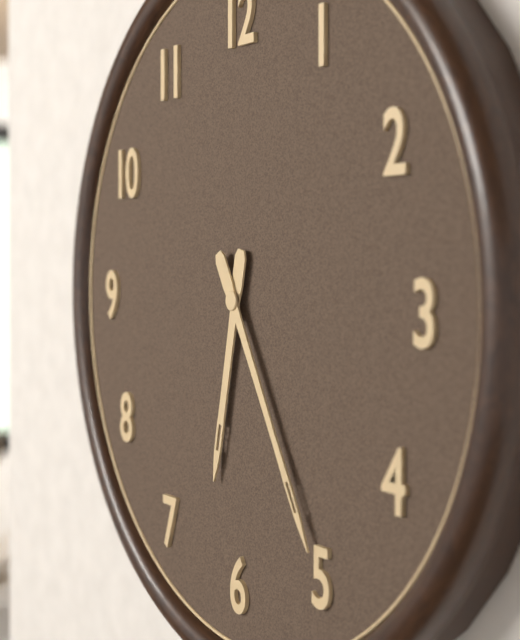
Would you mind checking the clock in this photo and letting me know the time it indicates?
6:25
